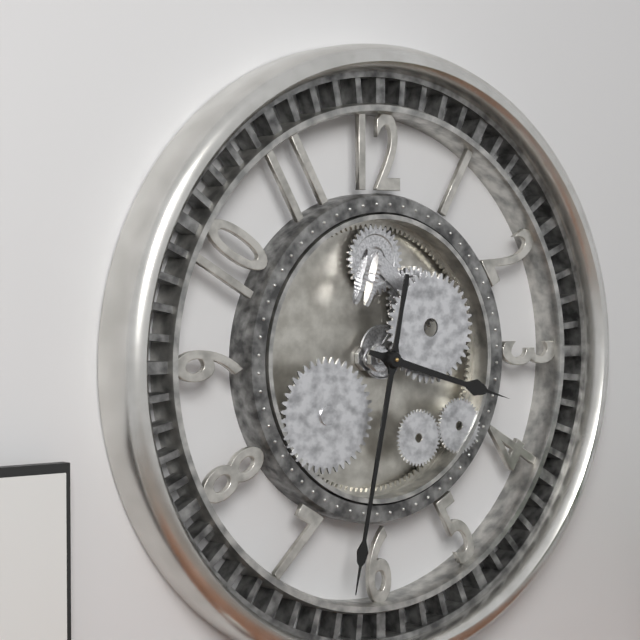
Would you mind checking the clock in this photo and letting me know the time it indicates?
3:32
